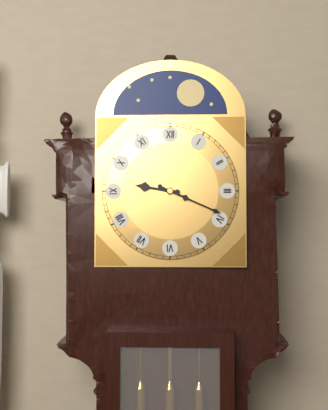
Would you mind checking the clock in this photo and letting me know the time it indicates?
9:19
